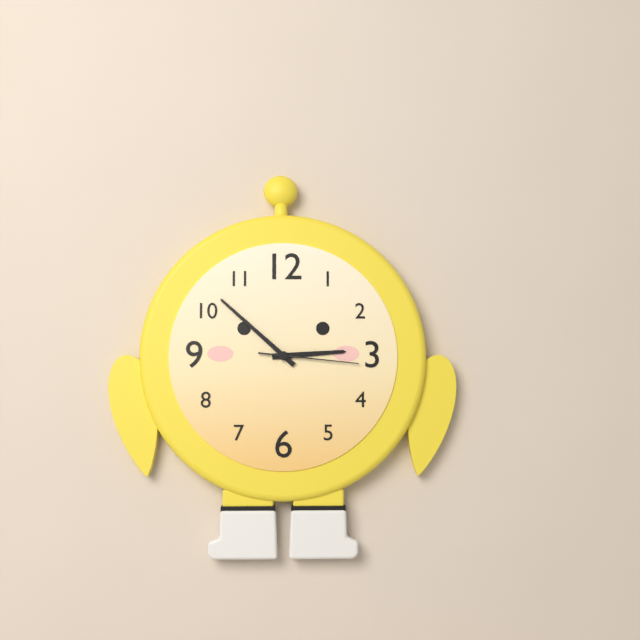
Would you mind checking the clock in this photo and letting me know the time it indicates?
2:52:16
